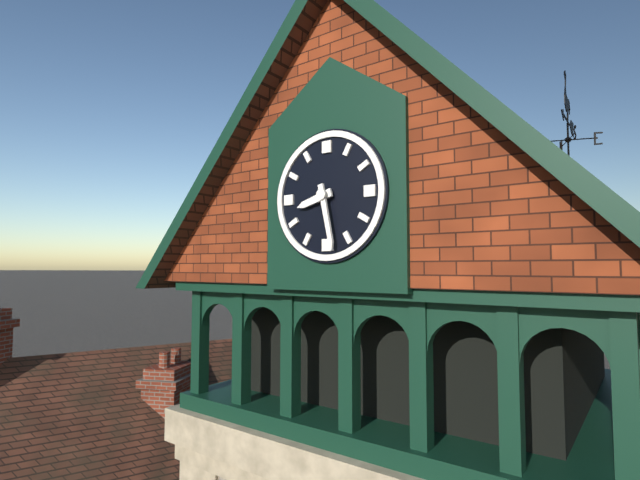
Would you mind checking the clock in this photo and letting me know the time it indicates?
8:28
